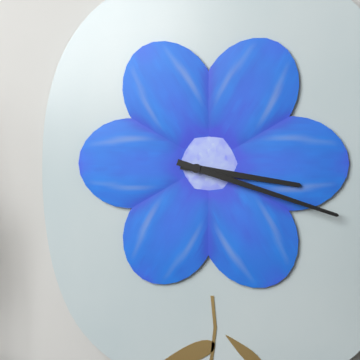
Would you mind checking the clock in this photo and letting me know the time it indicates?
3:18
